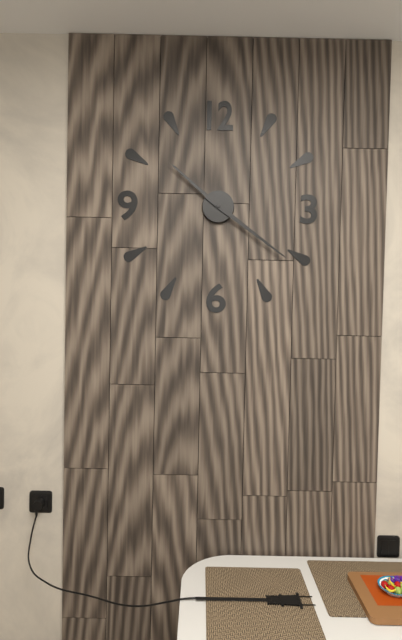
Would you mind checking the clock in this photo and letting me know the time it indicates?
10:21
